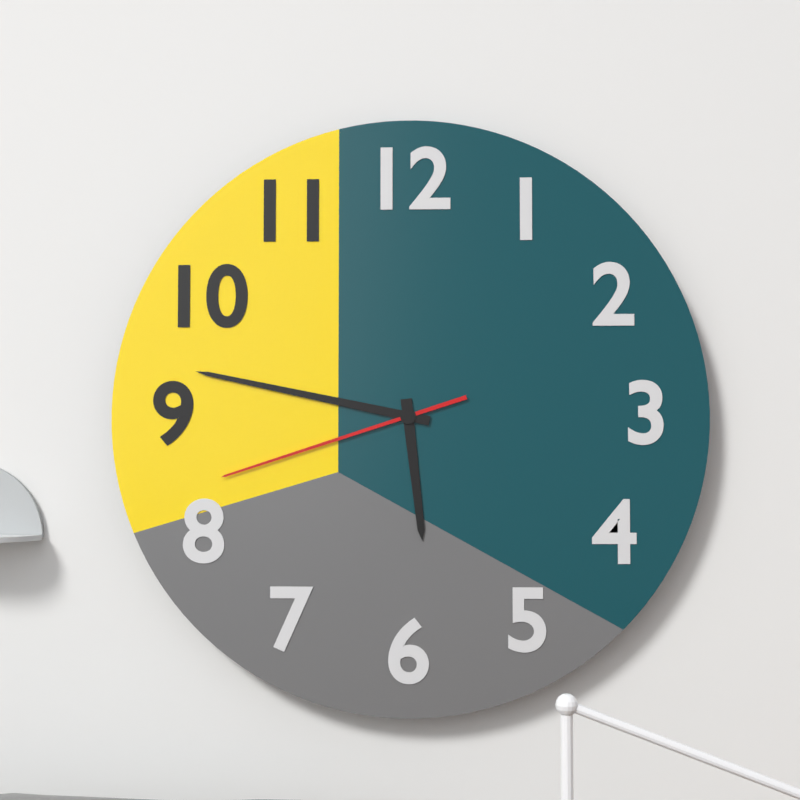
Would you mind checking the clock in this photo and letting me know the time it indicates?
5:47:42
